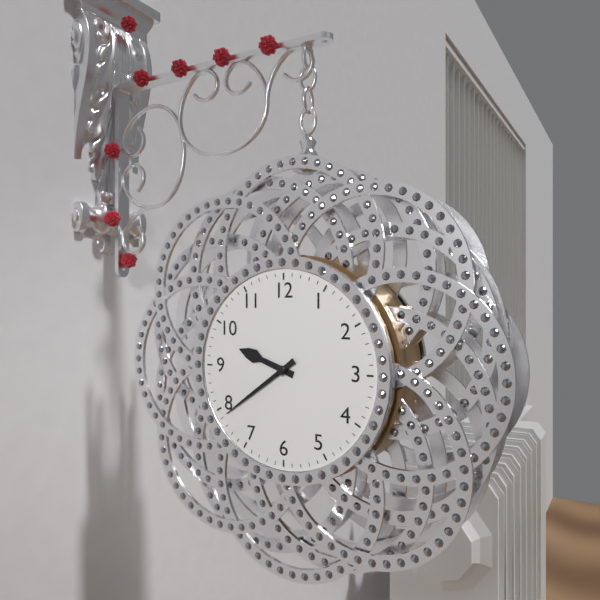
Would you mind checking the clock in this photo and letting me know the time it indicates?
9:39
